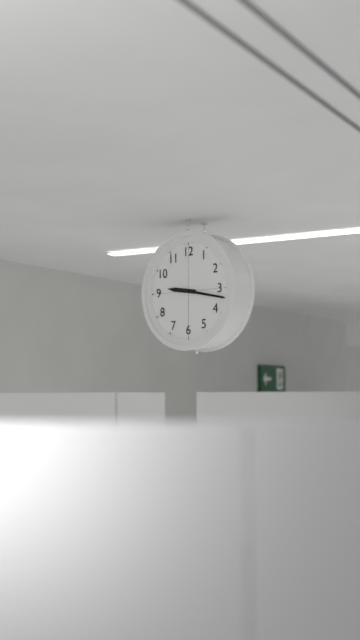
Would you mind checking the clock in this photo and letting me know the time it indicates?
9:17
